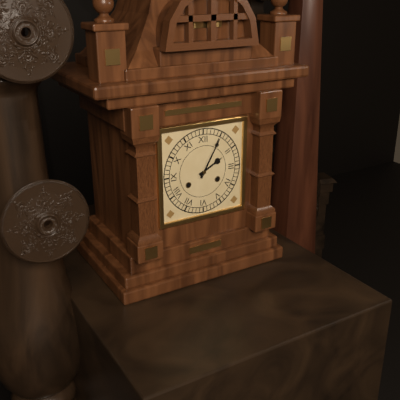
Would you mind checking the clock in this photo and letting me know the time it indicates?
2:05
